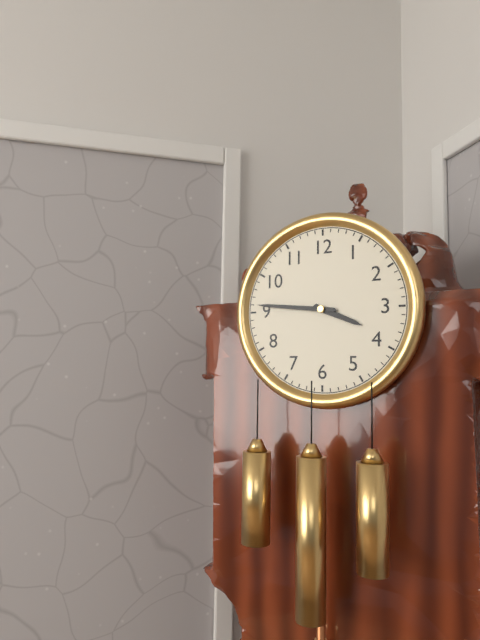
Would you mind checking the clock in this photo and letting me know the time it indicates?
3:46
